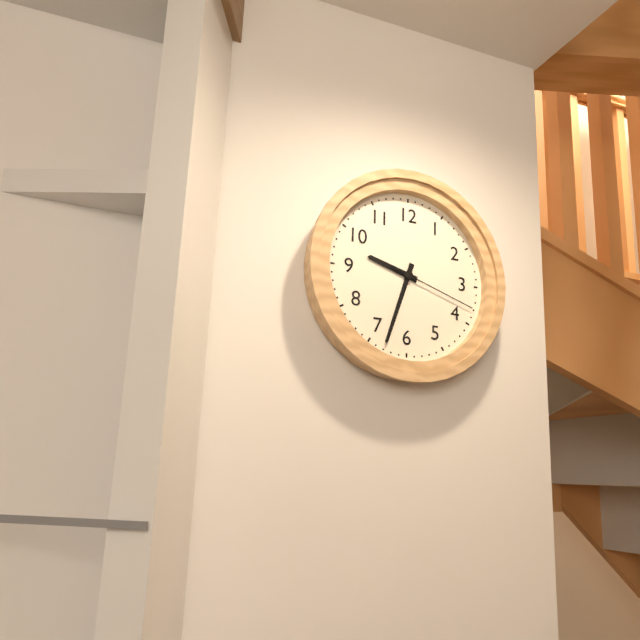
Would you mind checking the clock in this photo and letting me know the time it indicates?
9:33:18
